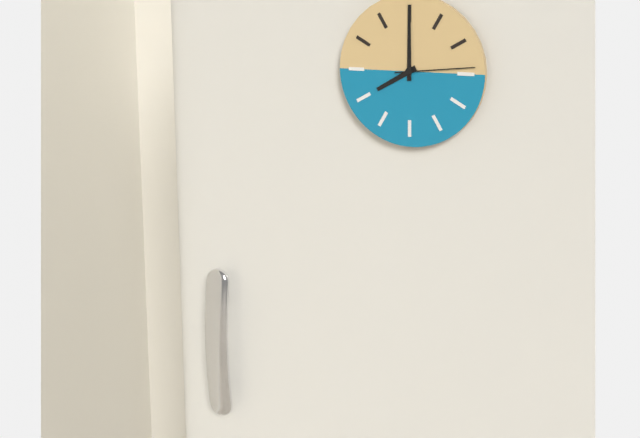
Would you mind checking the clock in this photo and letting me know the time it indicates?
8:00:14
